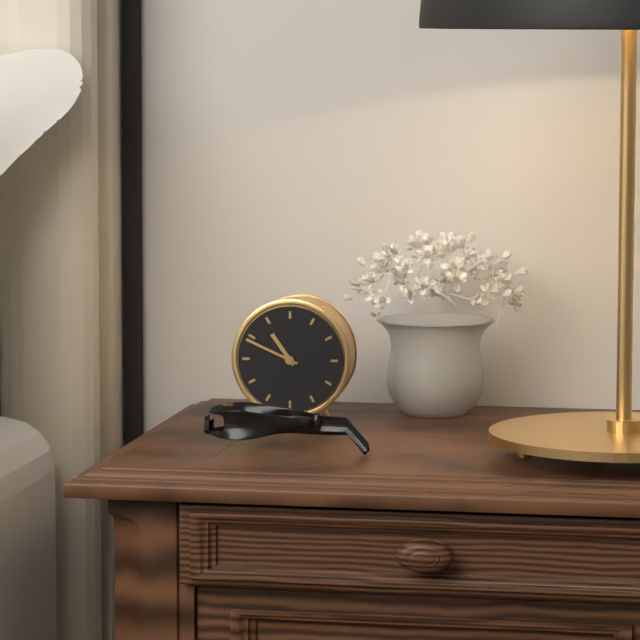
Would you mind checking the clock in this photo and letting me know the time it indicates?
10:49
